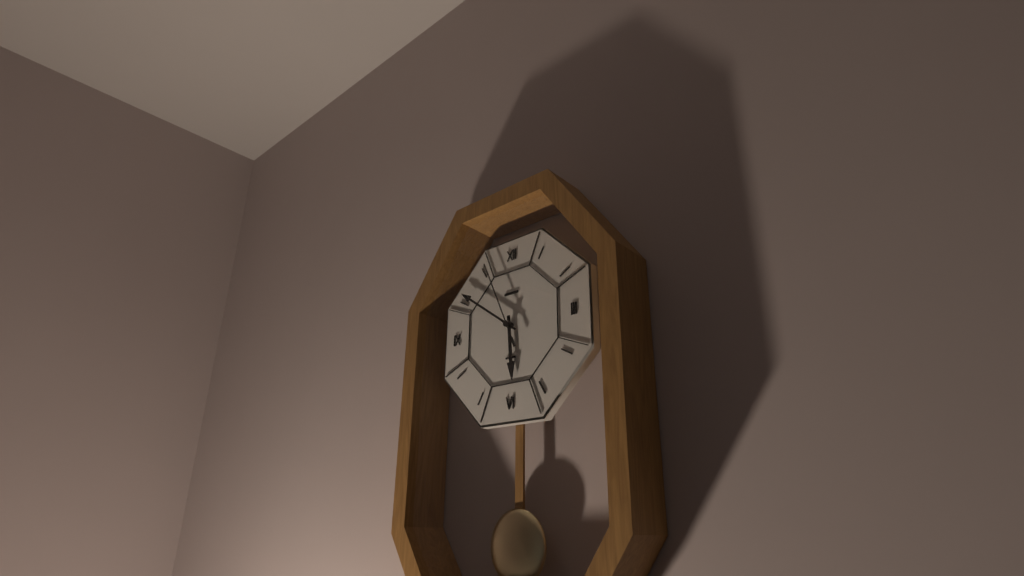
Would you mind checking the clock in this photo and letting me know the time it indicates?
5:51:56
